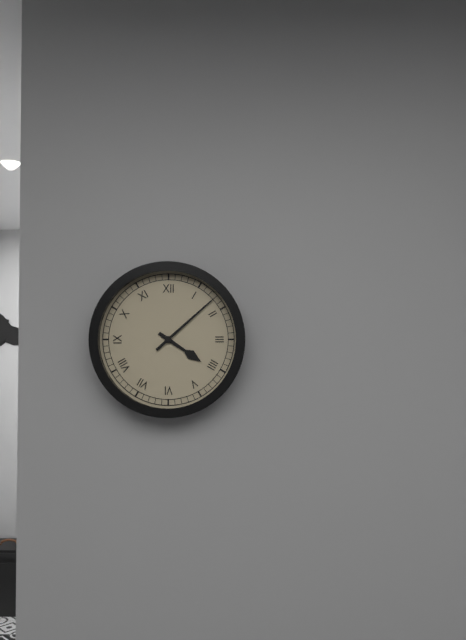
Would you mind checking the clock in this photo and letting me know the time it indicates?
4:08
